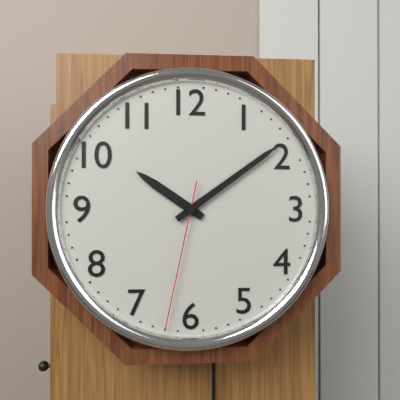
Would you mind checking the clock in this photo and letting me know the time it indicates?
10:09:32
